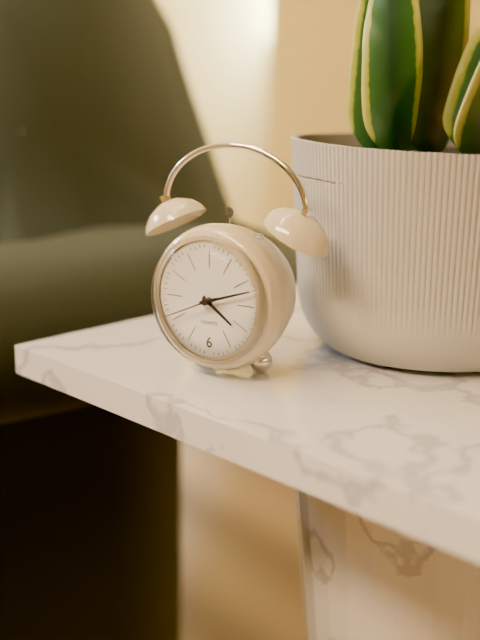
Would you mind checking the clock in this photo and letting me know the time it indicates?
4:12:41
